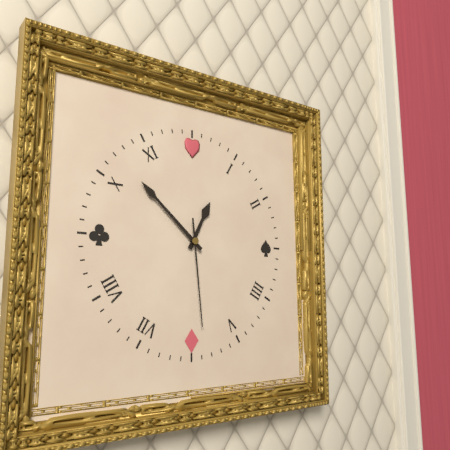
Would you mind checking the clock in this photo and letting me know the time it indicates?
12:52:29
